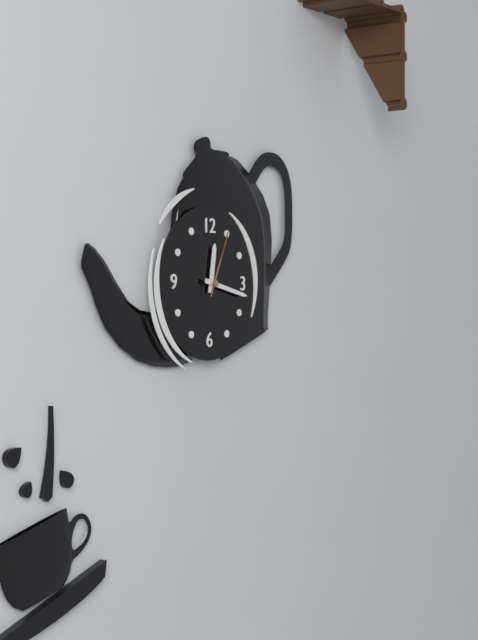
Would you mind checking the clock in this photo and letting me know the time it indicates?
12:17:04
